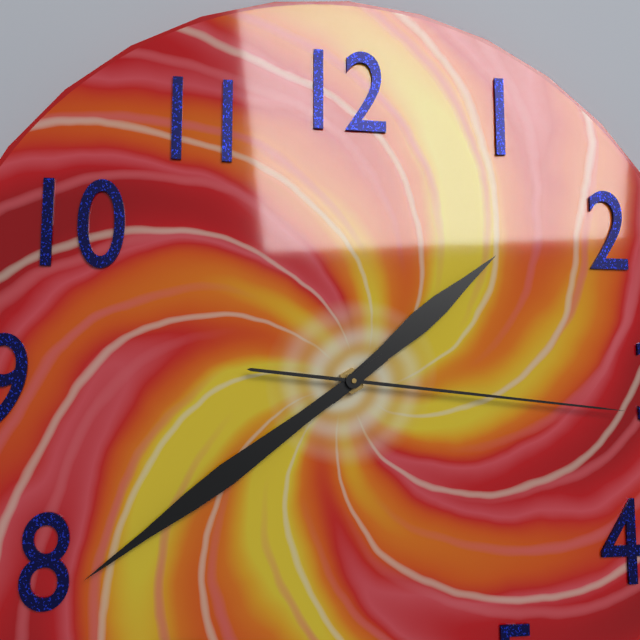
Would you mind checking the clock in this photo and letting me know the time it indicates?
1:39:16
